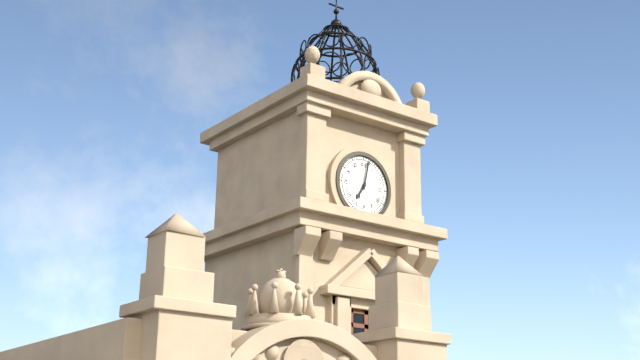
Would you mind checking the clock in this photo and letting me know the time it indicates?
7:02
